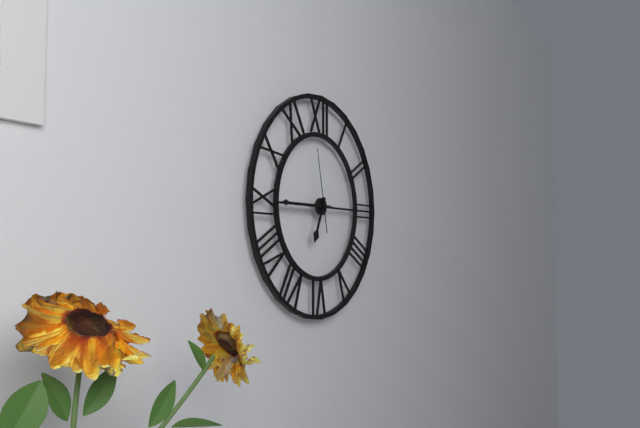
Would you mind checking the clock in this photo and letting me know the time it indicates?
6:45:58
